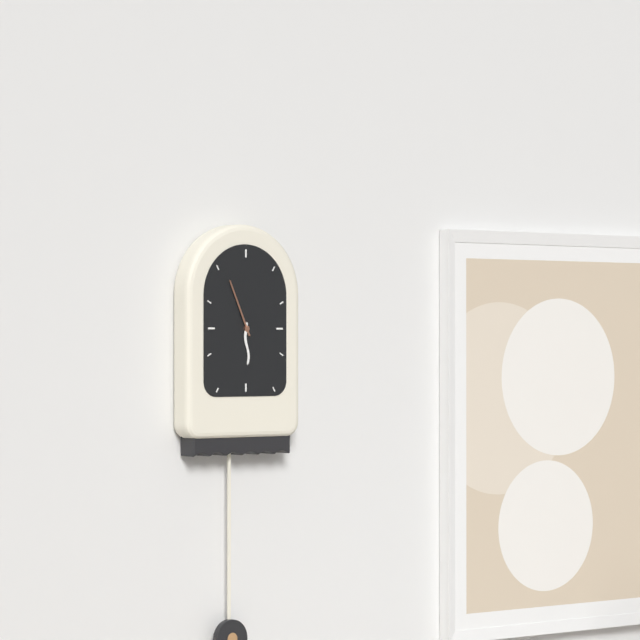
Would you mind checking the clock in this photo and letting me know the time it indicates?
5:56
